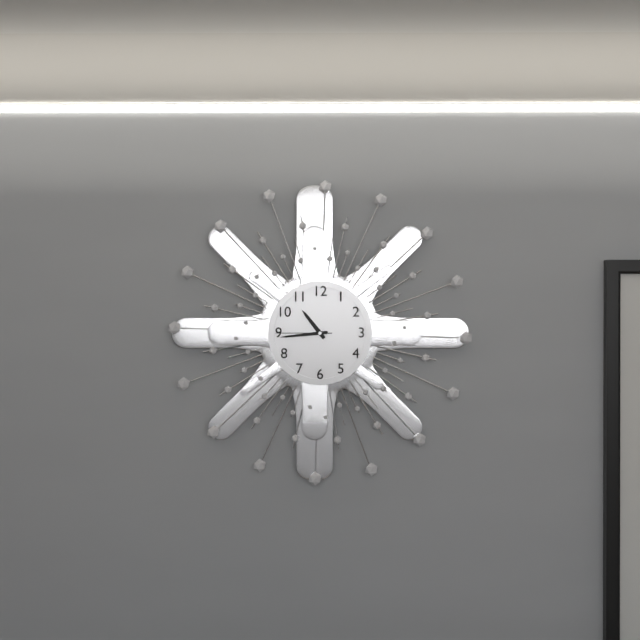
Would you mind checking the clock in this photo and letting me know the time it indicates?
10:44:45
